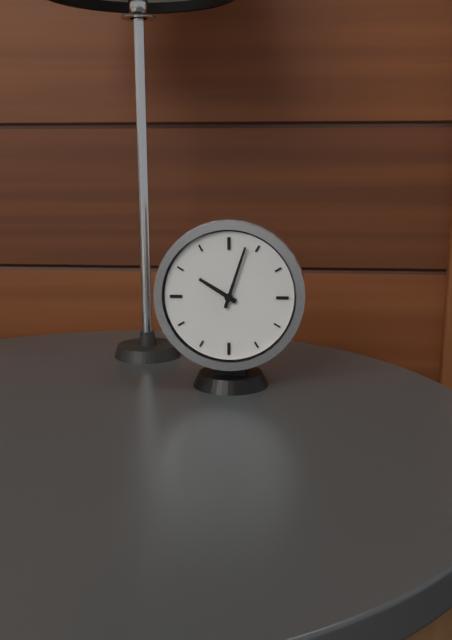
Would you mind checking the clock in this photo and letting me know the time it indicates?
10:03
